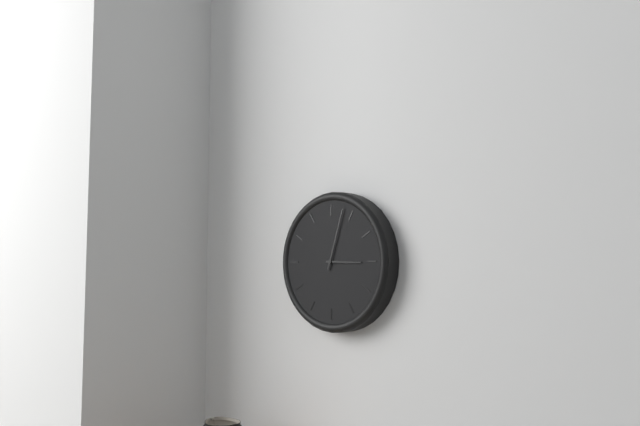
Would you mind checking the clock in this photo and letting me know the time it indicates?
3:03
